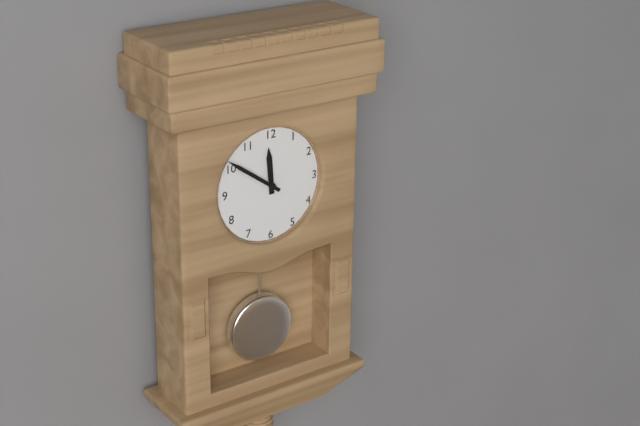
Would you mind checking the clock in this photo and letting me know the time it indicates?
11:51
